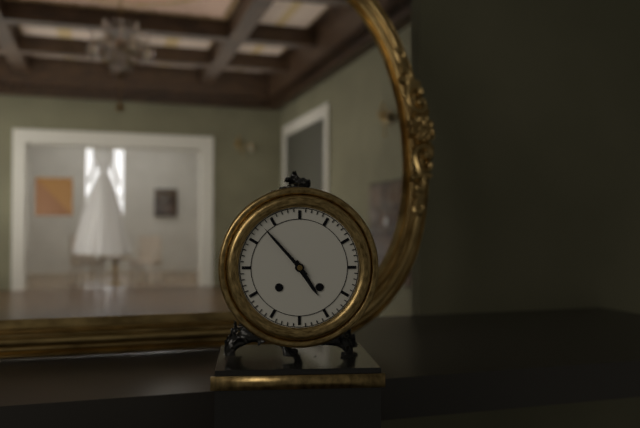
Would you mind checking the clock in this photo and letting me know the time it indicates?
4:53
